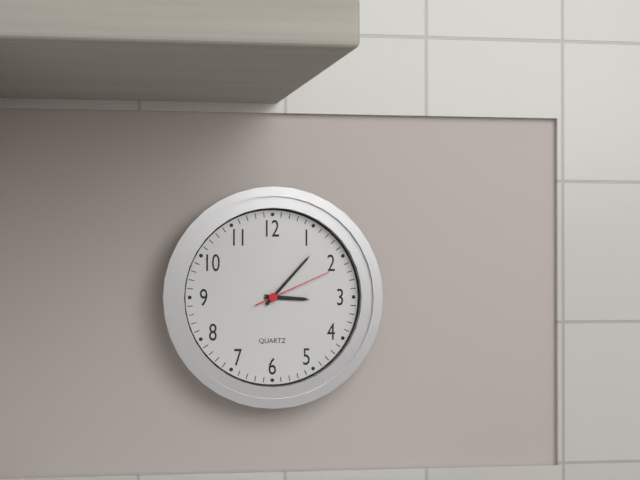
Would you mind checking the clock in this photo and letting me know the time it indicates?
3:07:11
